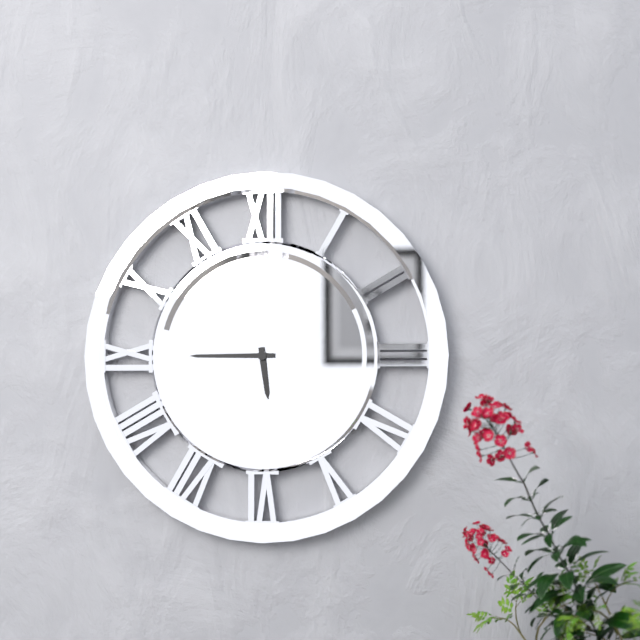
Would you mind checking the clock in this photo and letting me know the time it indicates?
5:45
